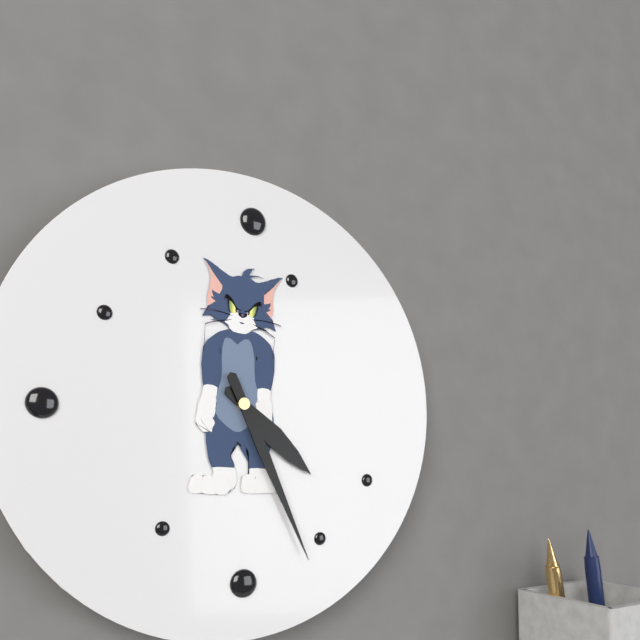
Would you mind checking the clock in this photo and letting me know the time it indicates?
4:26
